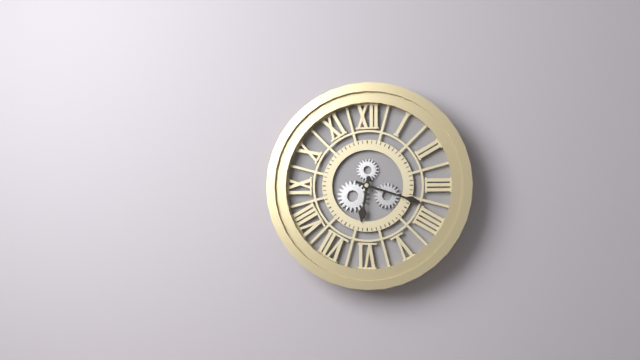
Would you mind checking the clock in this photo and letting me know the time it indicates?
6:18
